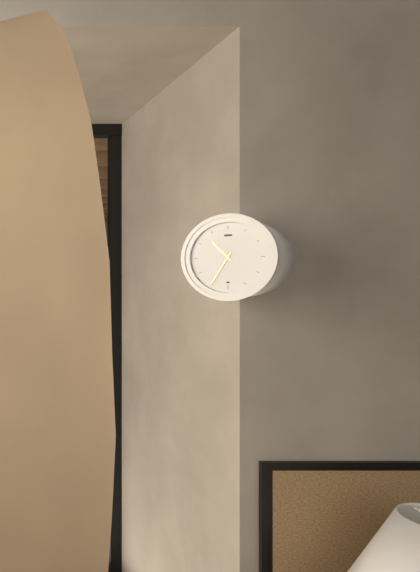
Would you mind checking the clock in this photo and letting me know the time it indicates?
10:35
